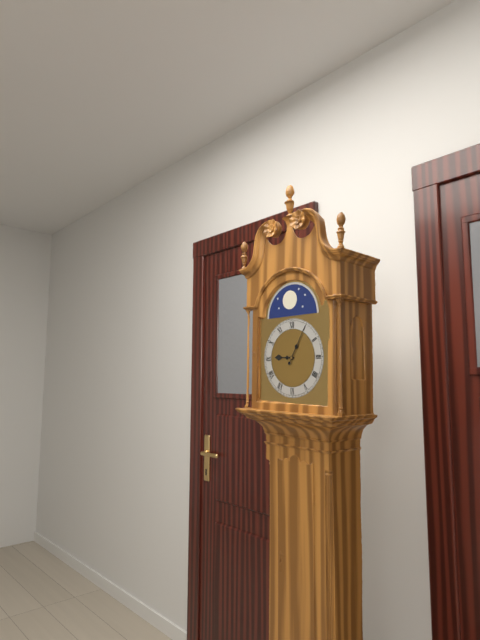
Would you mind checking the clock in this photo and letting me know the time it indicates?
9:05
